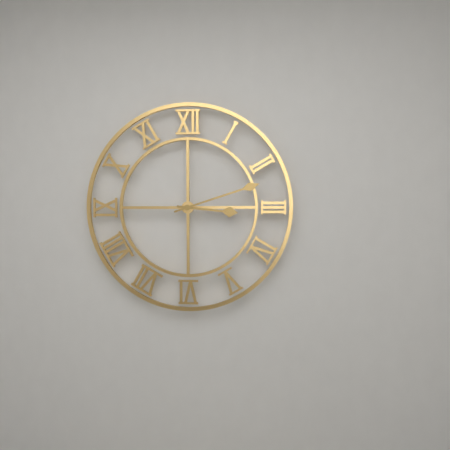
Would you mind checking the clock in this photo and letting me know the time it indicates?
3:12
